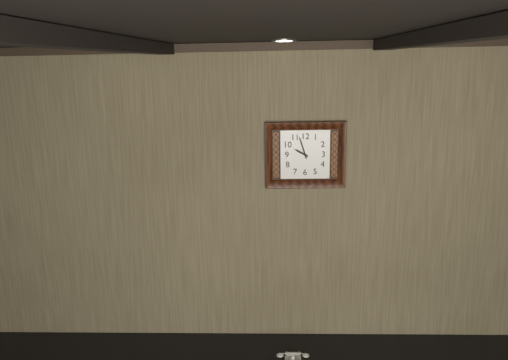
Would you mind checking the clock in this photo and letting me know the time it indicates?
9:57
